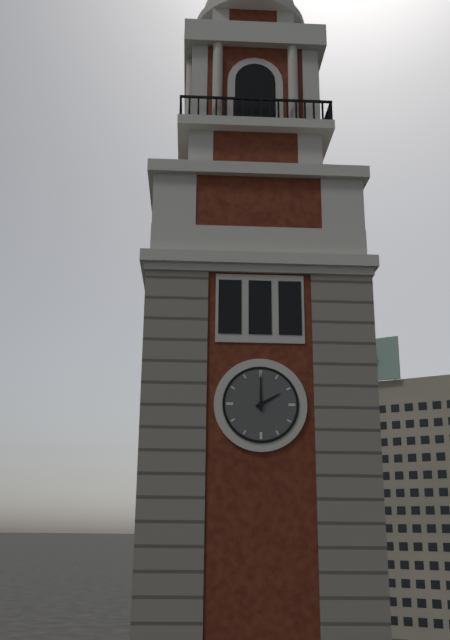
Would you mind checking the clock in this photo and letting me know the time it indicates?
2:00
